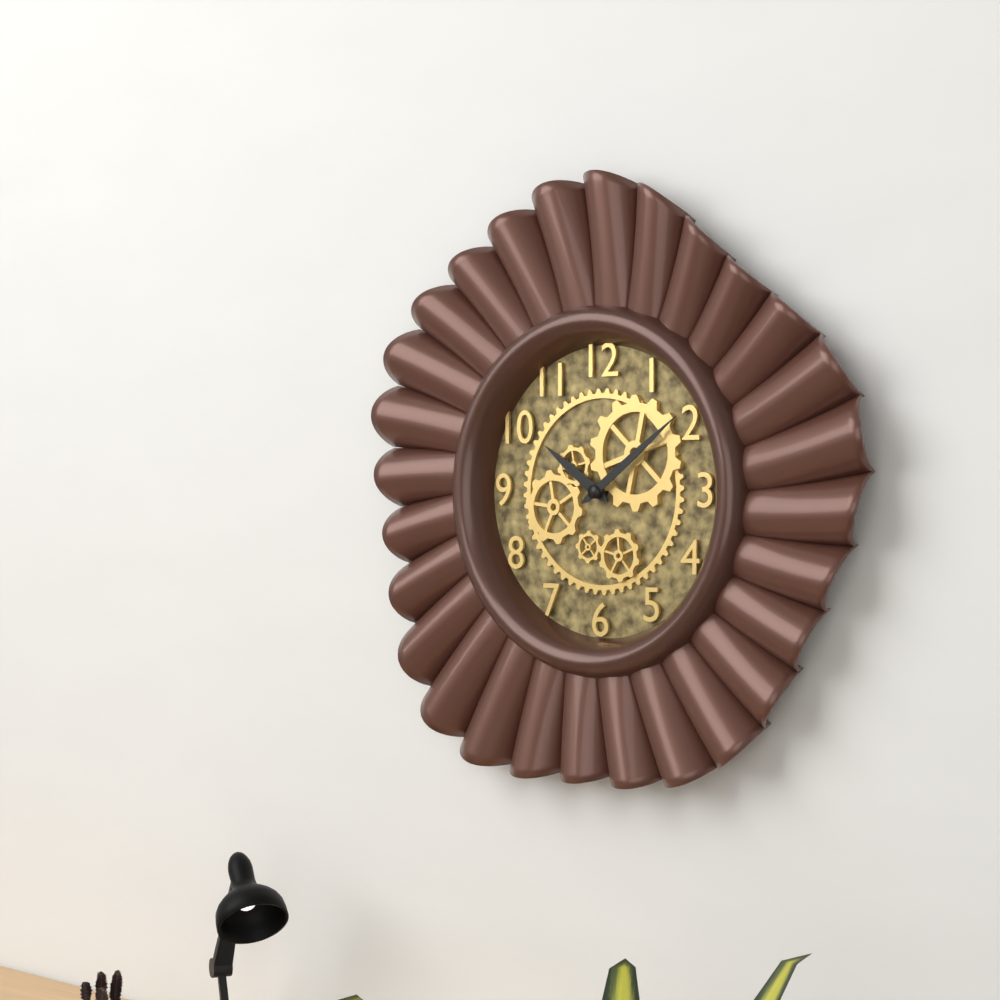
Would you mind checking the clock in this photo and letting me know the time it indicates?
10:09
